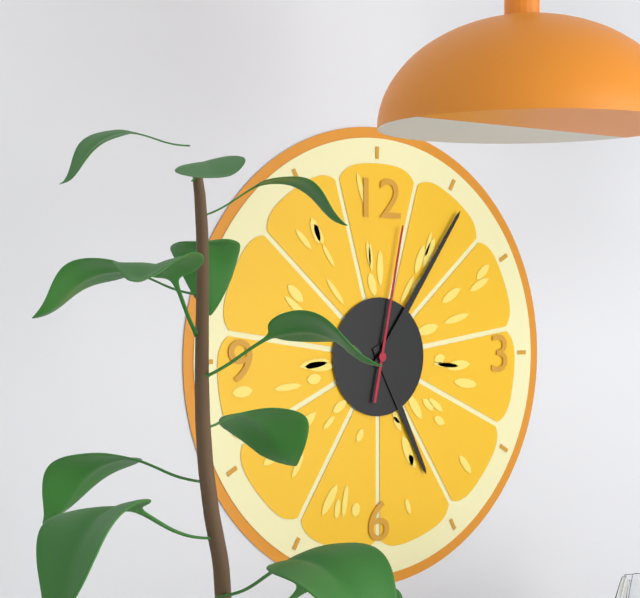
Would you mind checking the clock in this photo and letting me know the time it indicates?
5:06:02
